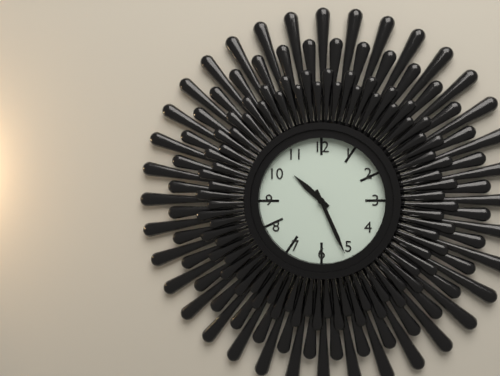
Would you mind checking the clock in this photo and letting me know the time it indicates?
10:26
